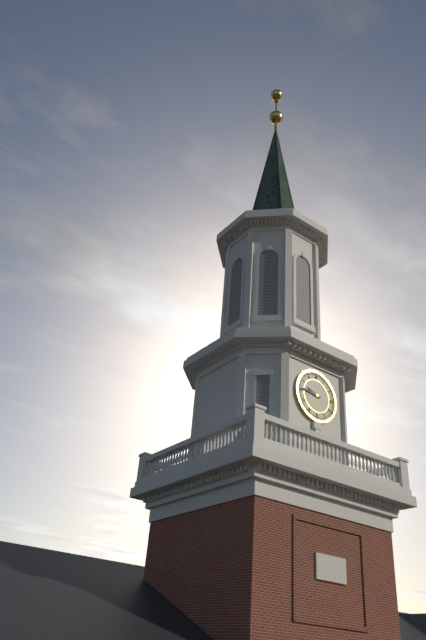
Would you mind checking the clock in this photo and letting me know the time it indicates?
9:46
